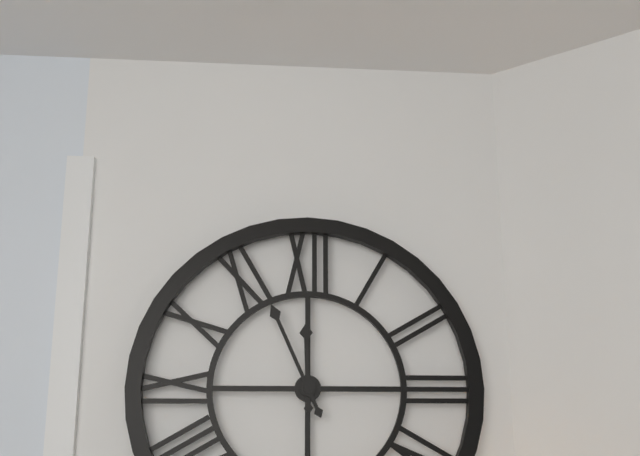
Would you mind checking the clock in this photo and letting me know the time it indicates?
11:56
